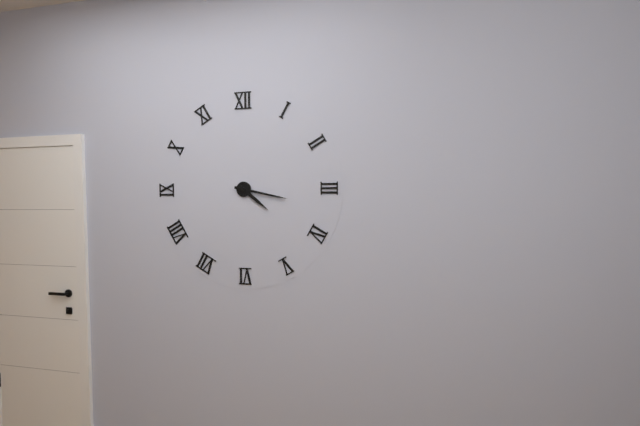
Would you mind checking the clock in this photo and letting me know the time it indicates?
4:17
